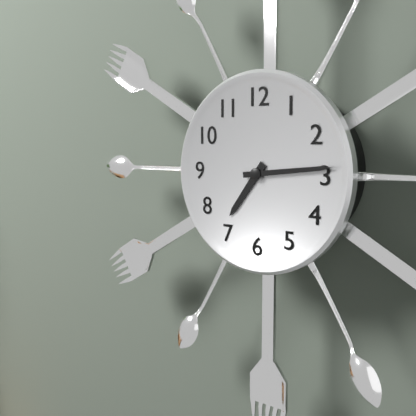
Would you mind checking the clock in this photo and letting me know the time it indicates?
7:14
